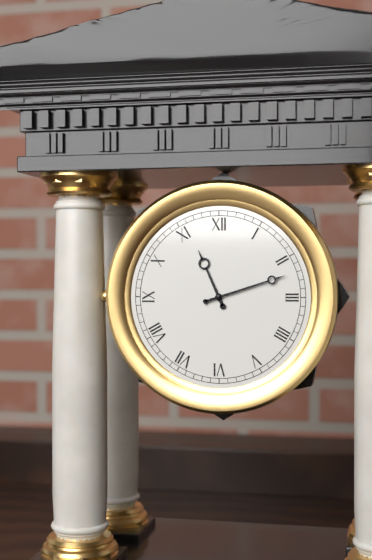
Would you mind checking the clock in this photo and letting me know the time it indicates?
11:12
